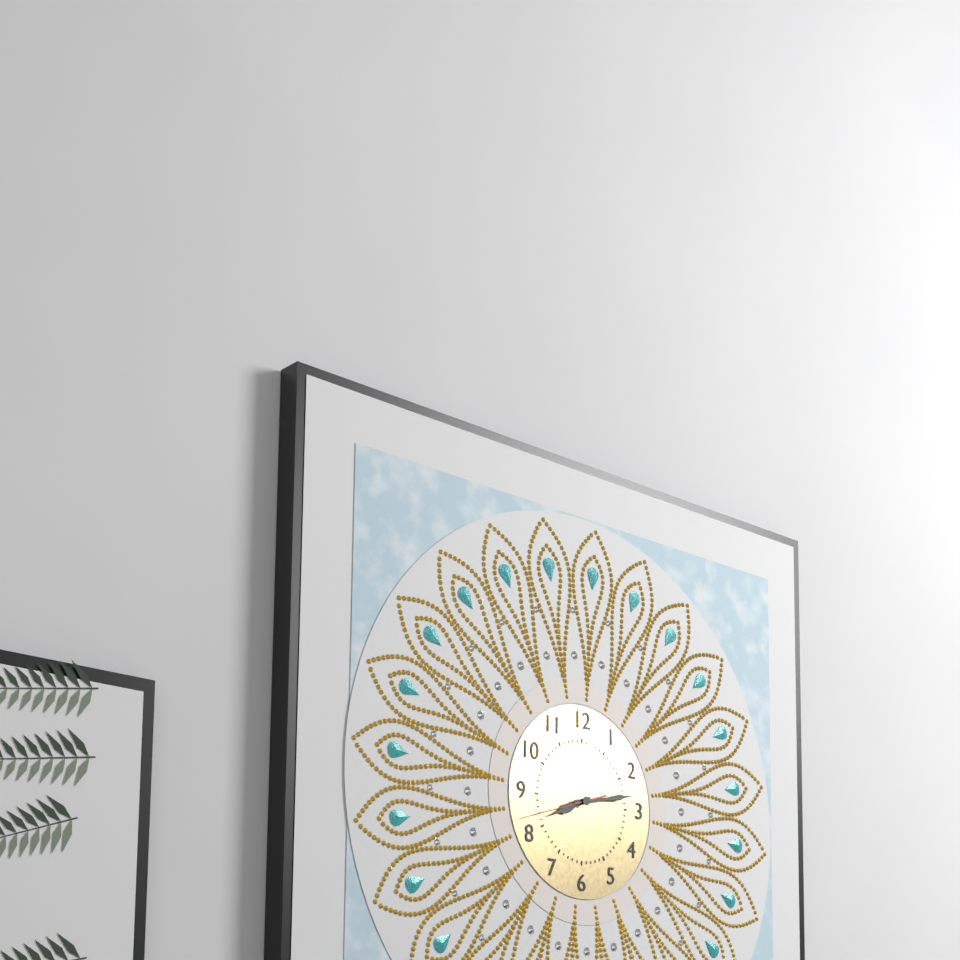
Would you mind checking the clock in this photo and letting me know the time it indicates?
8:13:42
